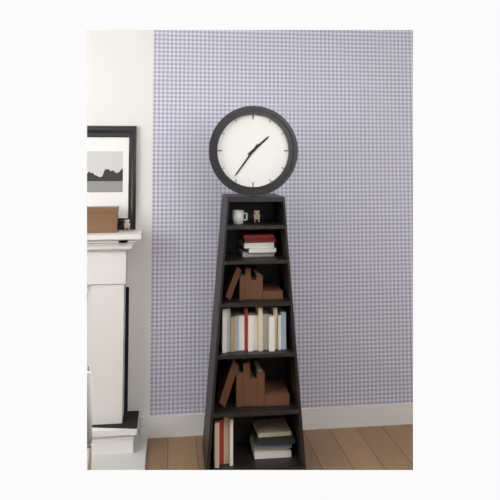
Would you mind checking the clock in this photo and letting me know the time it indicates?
1:36
